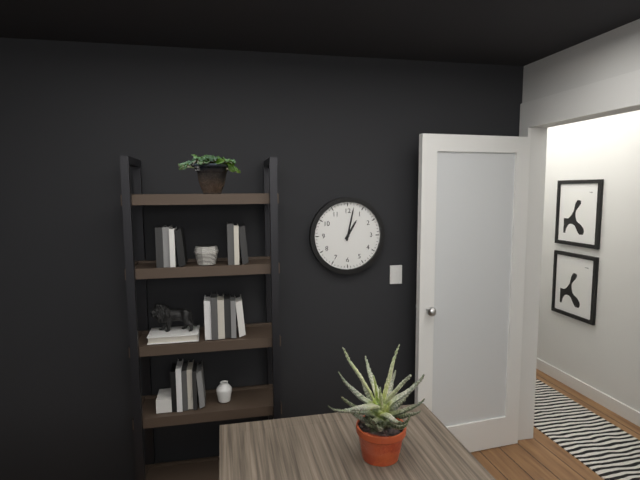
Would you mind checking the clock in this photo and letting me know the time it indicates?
1:02
